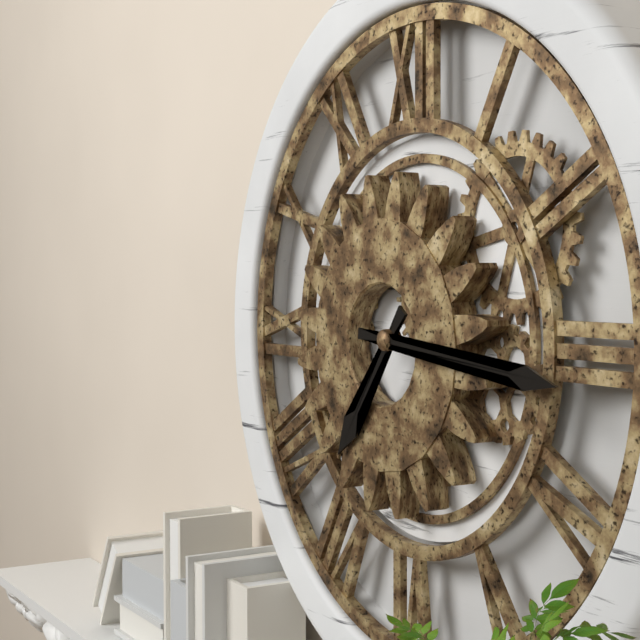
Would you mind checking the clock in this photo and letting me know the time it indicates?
7:16
